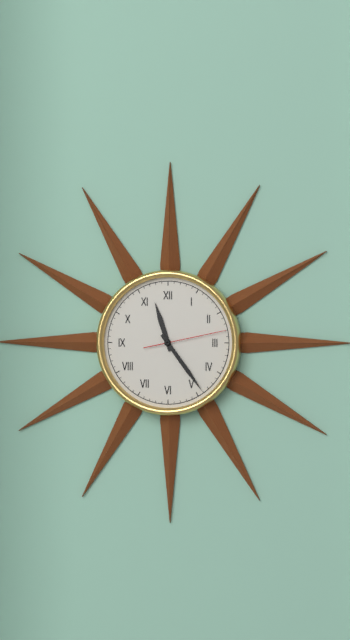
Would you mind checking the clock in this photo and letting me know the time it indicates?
11:24:13
